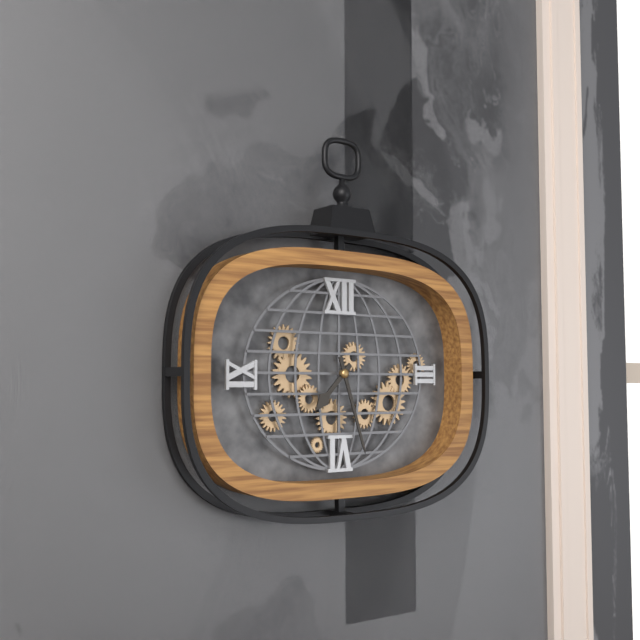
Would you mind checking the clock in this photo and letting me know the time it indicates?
7:27
